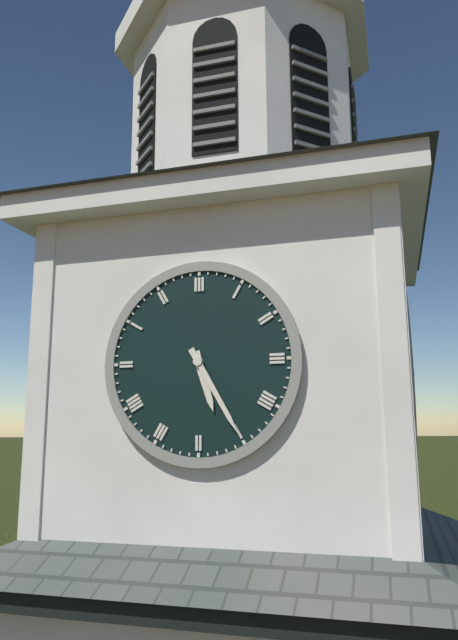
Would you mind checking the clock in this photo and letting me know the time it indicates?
5:25
